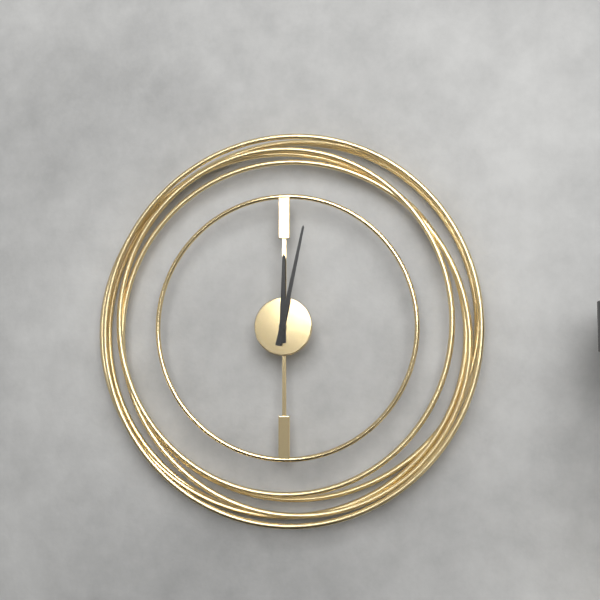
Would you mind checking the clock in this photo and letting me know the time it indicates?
12:02
